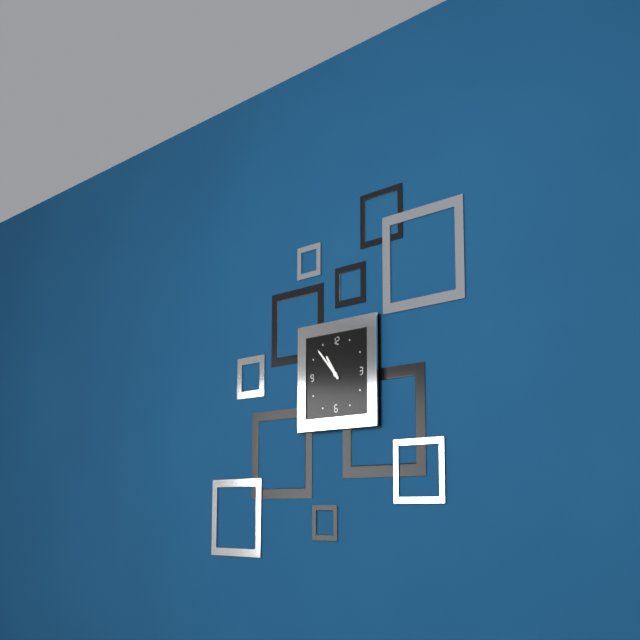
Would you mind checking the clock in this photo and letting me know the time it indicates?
10:53
